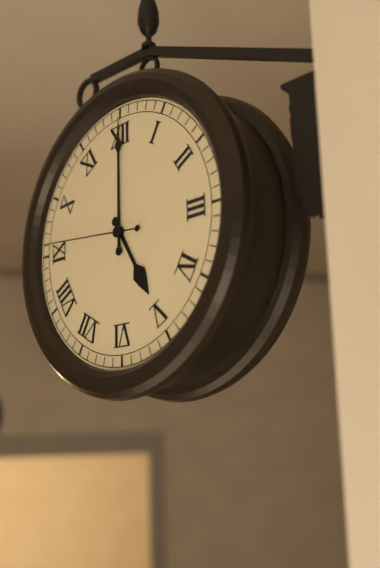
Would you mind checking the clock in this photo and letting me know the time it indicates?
5:00:46
